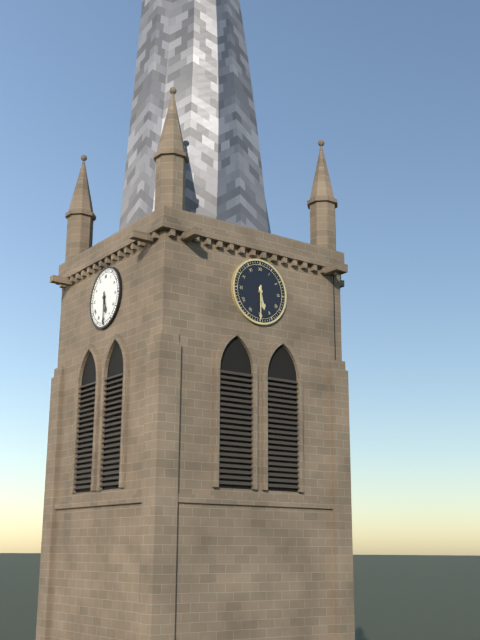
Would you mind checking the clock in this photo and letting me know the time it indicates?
5:30
